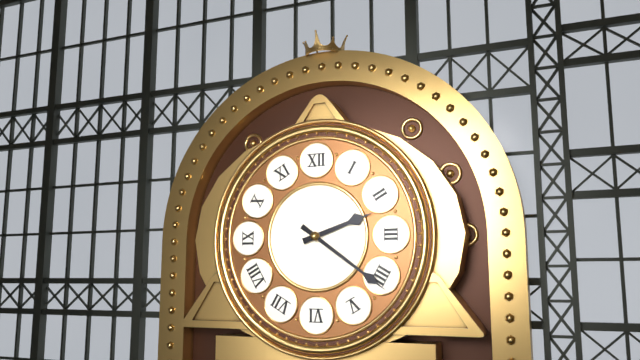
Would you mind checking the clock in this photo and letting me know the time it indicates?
2:21
